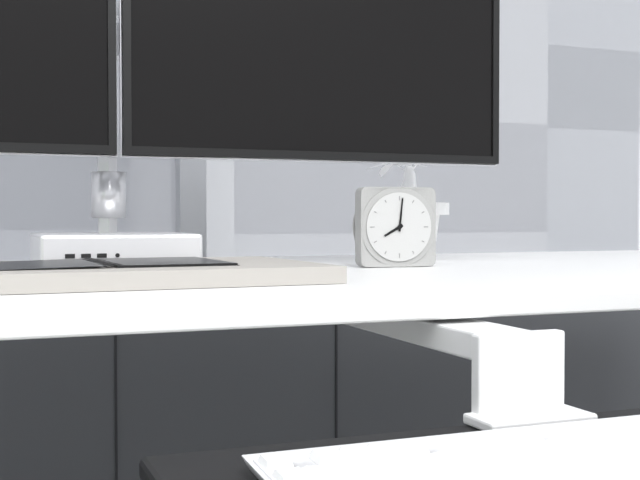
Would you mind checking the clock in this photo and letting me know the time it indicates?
8:01
